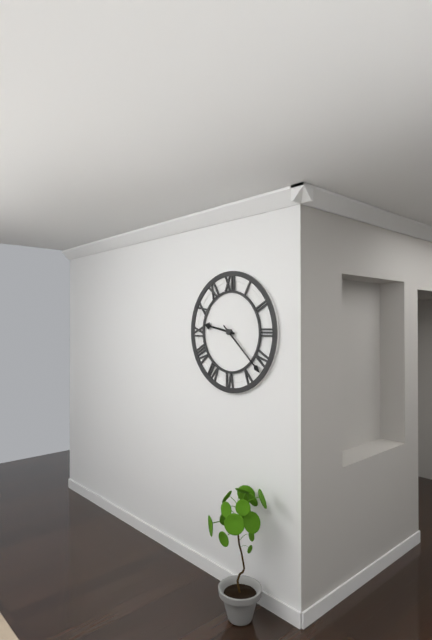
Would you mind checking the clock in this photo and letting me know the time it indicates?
9:22
